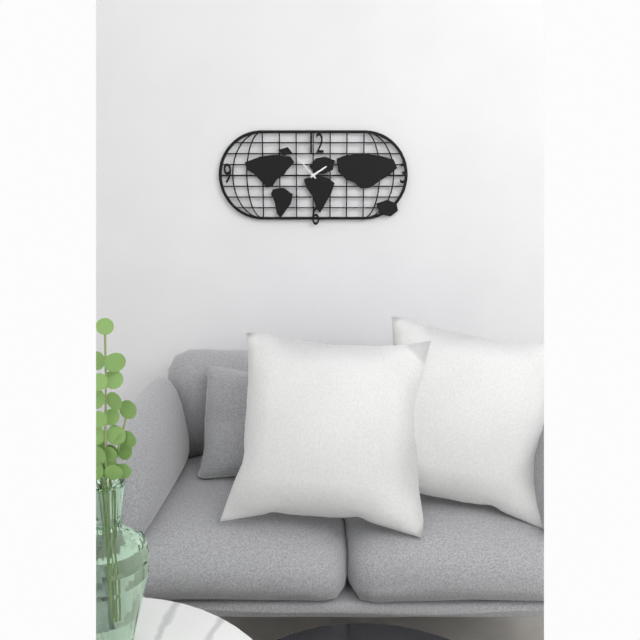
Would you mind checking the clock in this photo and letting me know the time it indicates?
1:53
